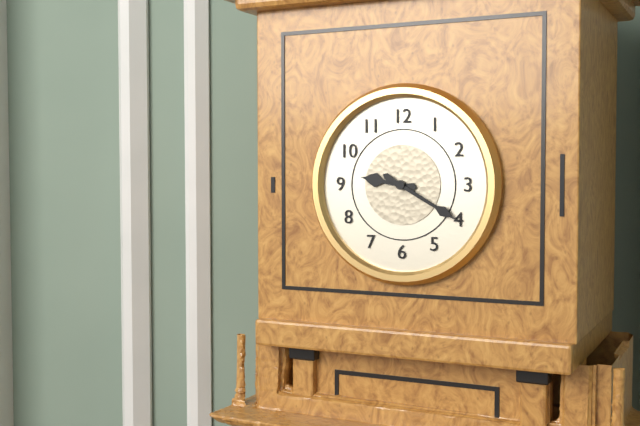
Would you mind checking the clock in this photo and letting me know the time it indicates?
9:20
